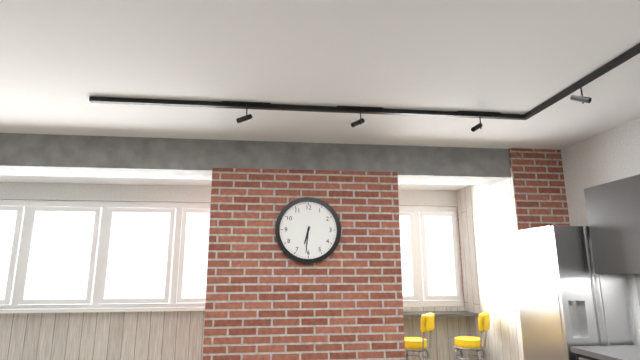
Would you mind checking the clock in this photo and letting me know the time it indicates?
6:31
